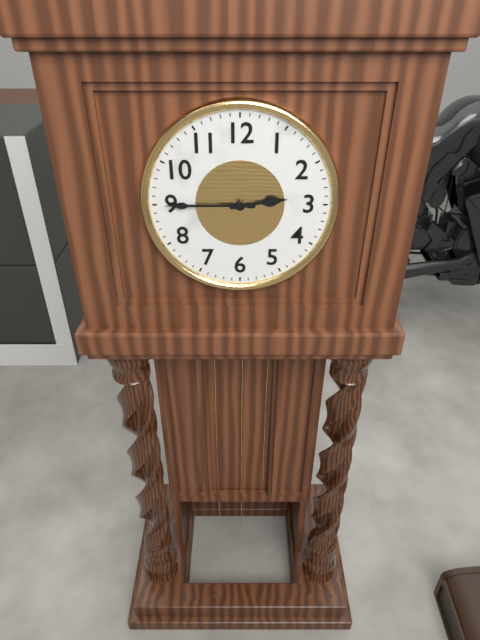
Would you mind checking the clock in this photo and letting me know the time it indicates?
2:45
